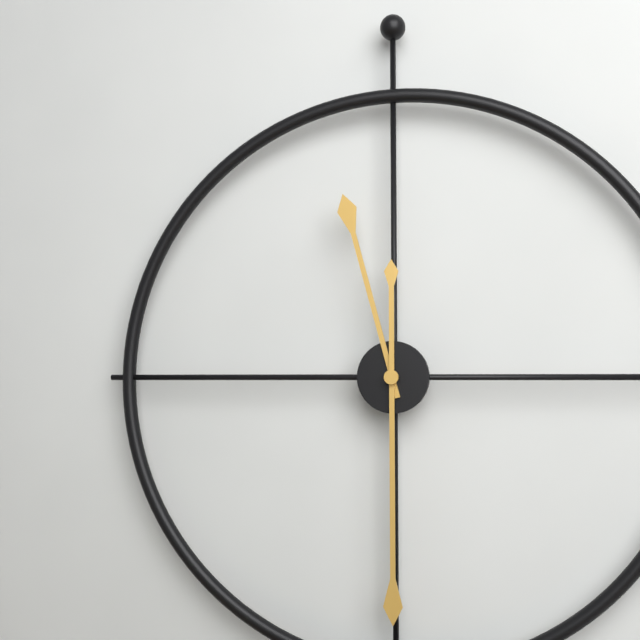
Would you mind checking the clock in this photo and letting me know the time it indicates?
11:30
